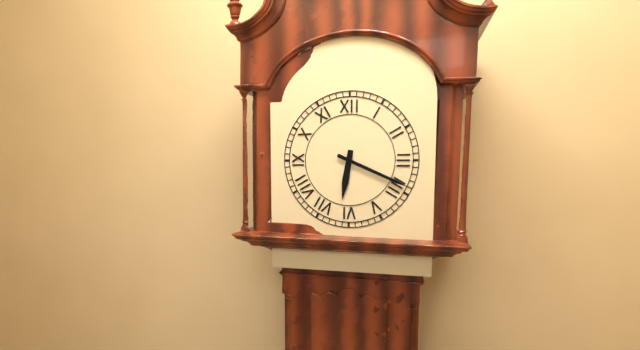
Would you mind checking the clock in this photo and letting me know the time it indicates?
6:19
